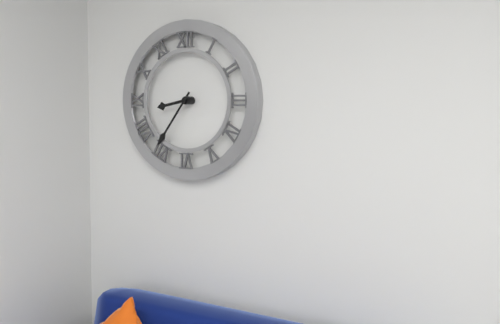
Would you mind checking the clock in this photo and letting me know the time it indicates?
8:36
